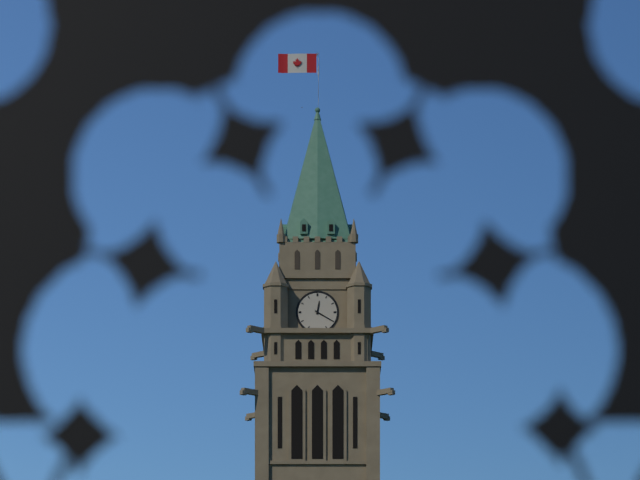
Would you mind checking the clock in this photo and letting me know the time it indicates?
12:20
